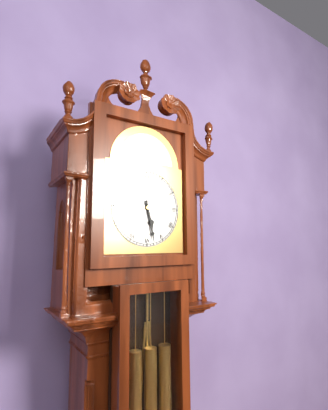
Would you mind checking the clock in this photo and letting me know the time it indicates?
5:28
